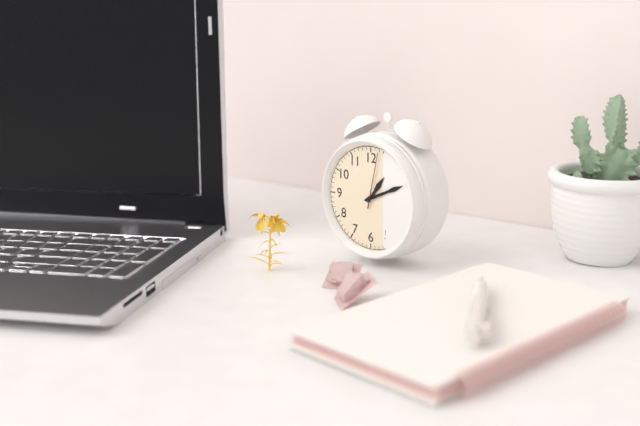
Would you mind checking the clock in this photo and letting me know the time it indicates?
1:11:02
